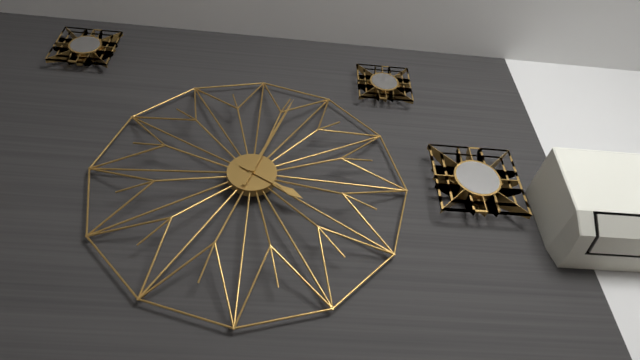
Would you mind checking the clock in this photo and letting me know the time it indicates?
4:03
